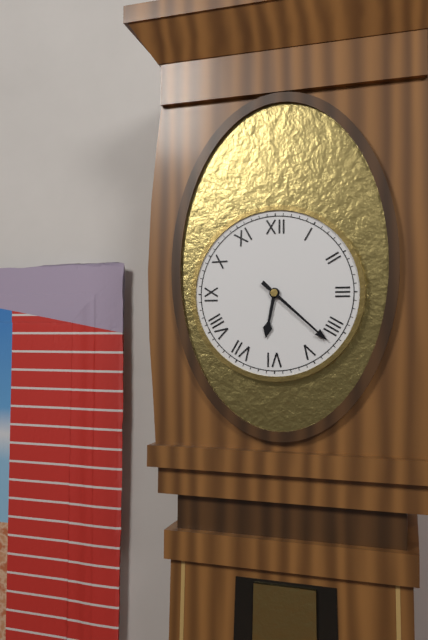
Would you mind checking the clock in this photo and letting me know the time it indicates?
6:22
